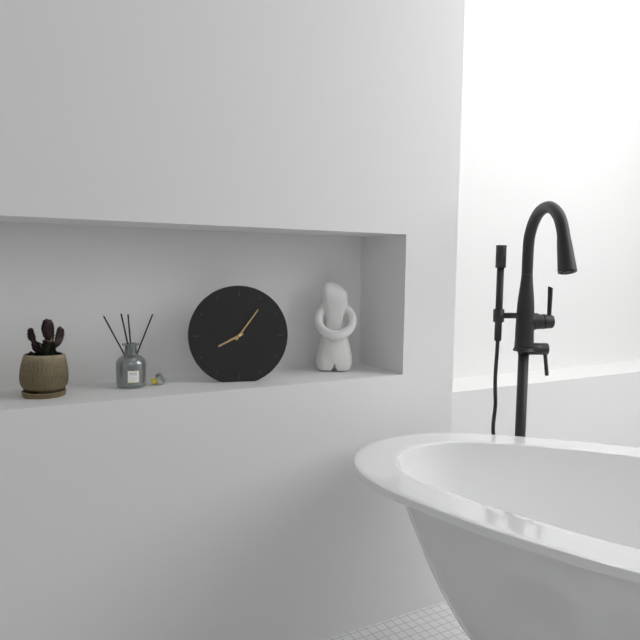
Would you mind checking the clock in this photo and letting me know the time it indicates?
8:06
